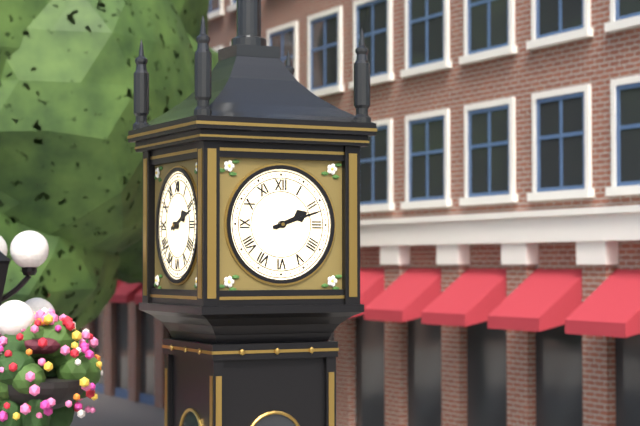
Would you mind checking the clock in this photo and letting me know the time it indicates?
2:12
